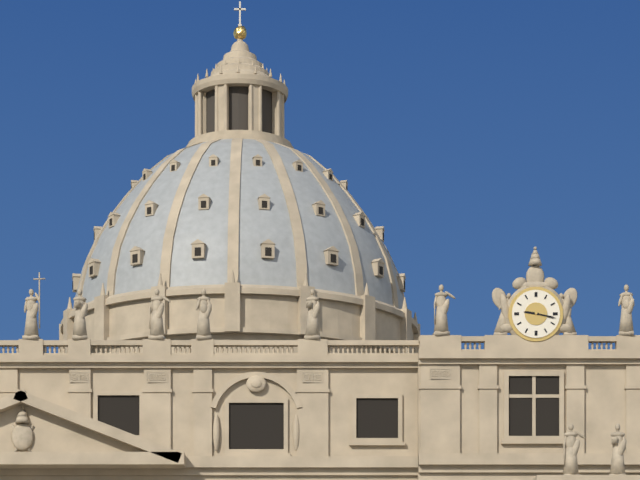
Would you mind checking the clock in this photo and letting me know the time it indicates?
9:17
